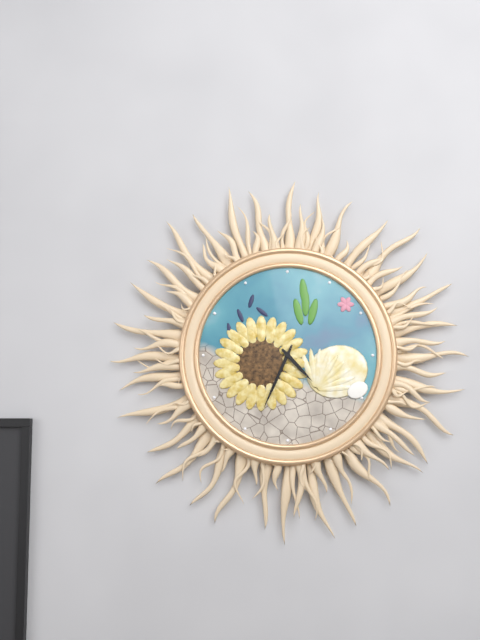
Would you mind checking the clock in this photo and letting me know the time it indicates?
4:34
